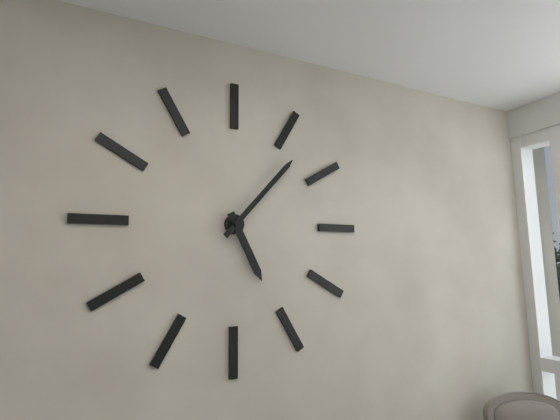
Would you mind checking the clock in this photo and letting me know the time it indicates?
5:07
